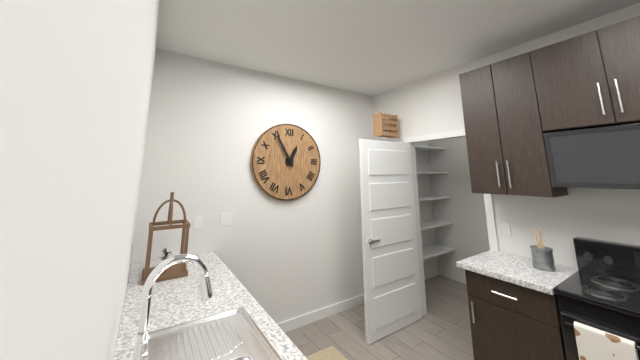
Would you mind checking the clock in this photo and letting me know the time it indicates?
12:55
